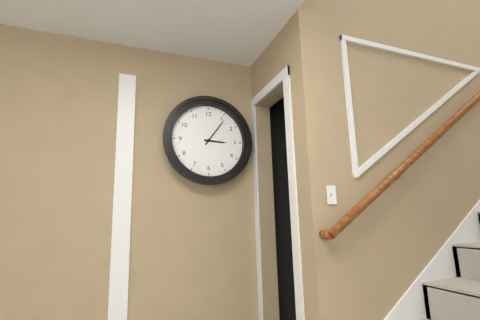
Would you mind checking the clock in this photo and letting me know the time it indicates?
3:06
